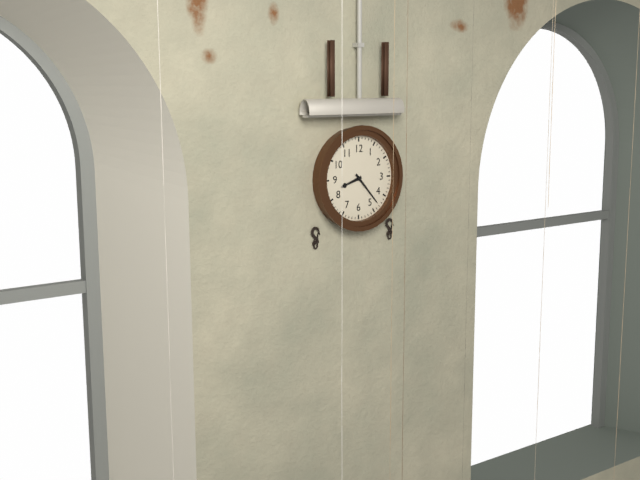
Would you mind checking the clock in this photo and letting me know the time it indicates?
8:23
